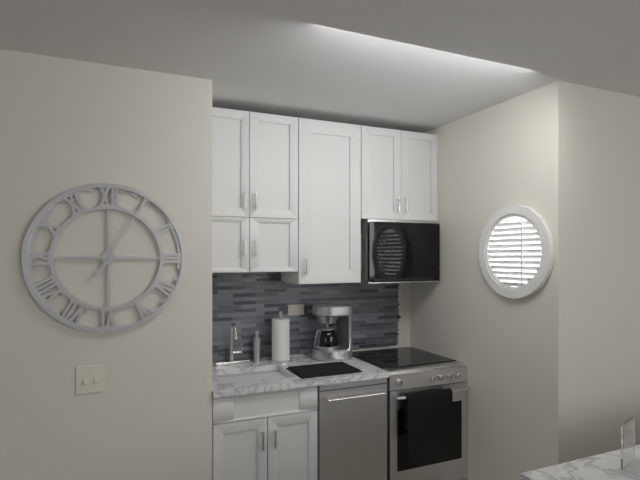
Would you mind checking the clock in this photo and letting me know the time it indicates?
9:05
